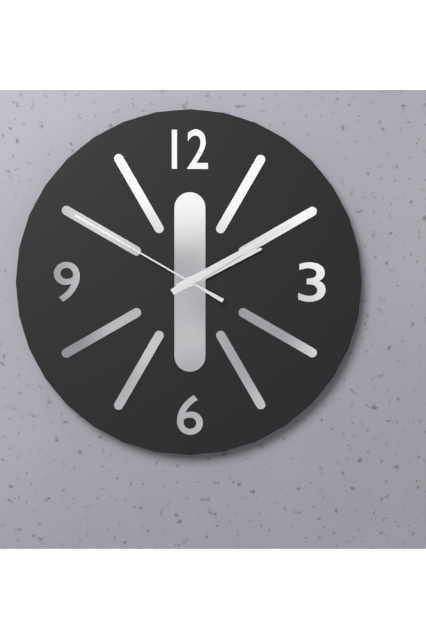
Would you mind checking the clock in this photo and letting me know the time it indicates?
2:10:50
